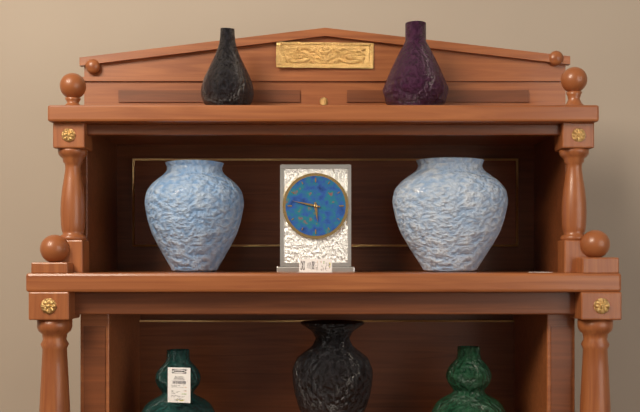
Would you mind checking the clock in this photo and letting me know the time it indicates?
5:47
